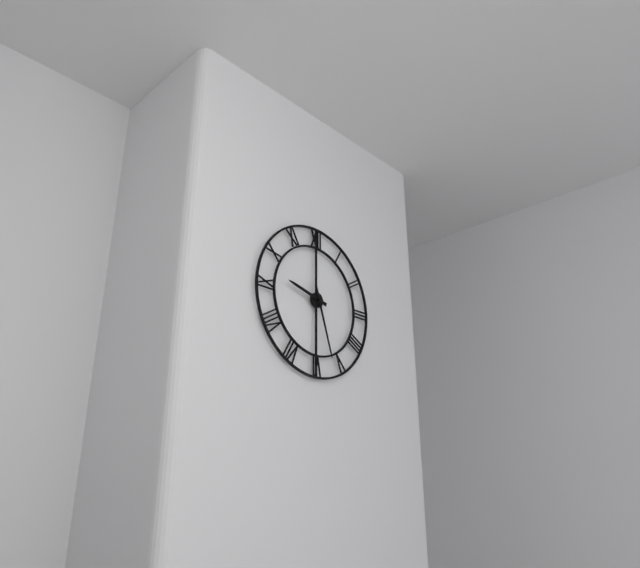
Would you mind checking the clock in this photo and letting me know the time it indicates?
9:27
